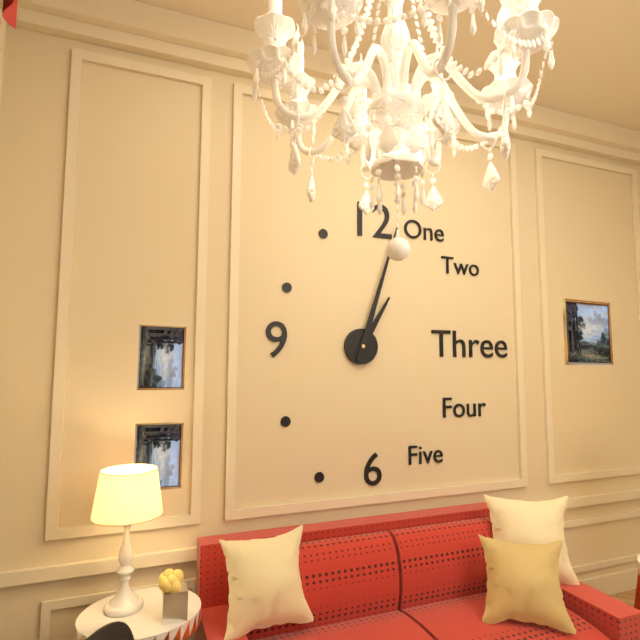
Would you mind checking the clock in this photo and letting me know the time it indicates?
1:03
